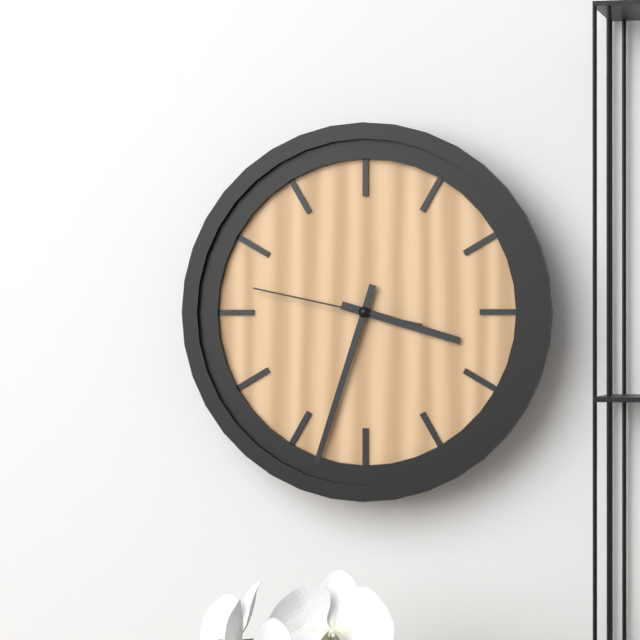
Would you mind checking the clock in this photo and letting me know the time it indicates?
3:33:47
